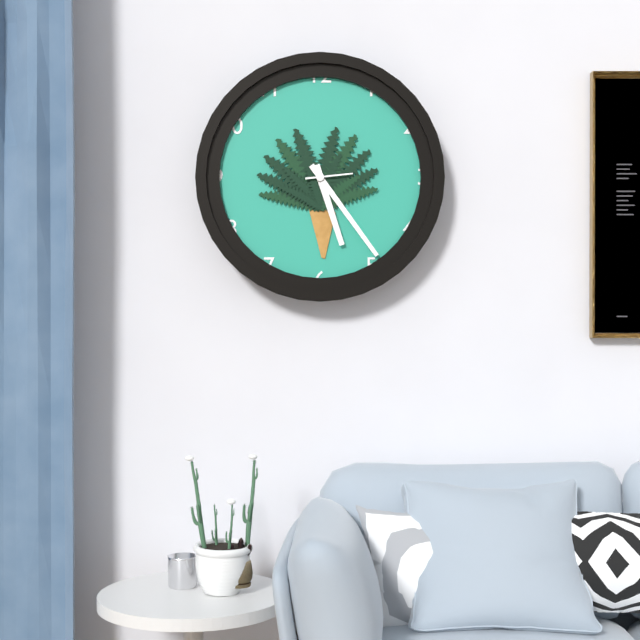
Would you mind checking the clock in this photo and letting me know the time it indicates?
5:24
